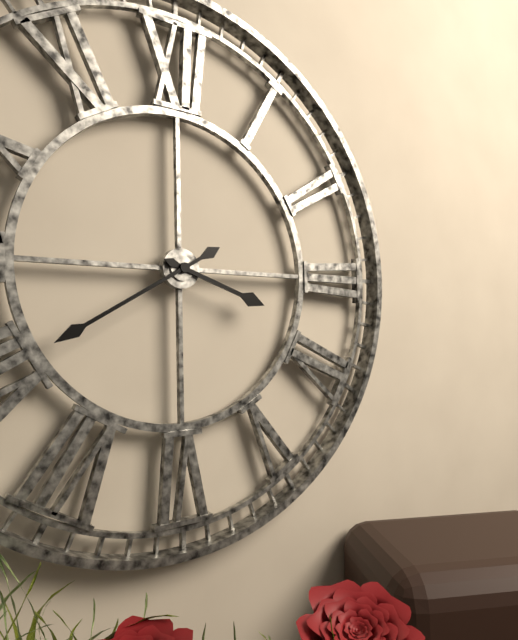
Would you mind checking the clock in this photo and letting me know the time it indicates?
3:40
